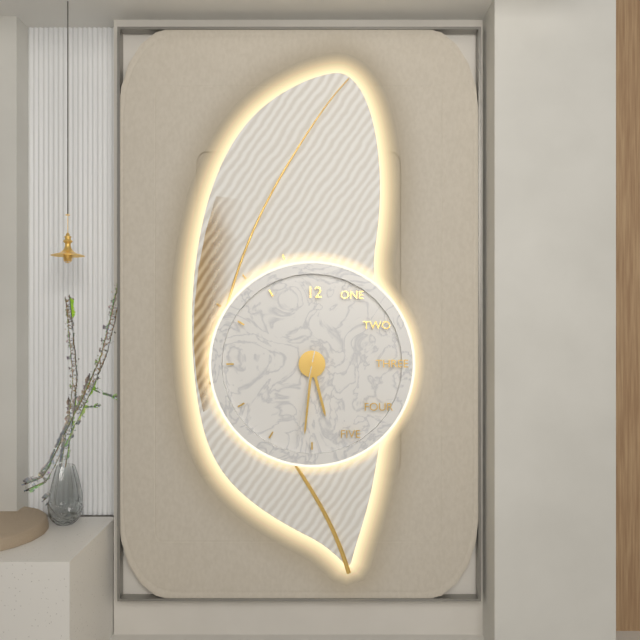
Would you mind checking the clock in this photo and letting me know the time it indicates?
5:31:32
